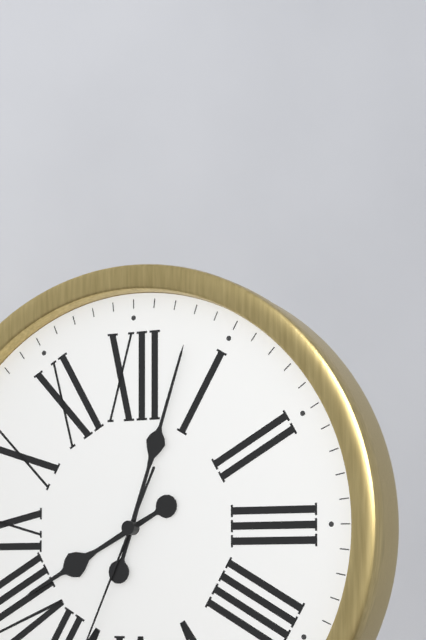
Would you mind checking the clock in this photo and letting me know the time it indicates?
8:03
